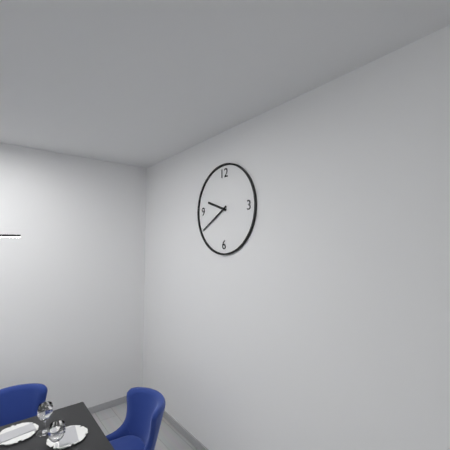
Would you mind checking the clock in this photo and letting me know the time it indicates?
9:40
